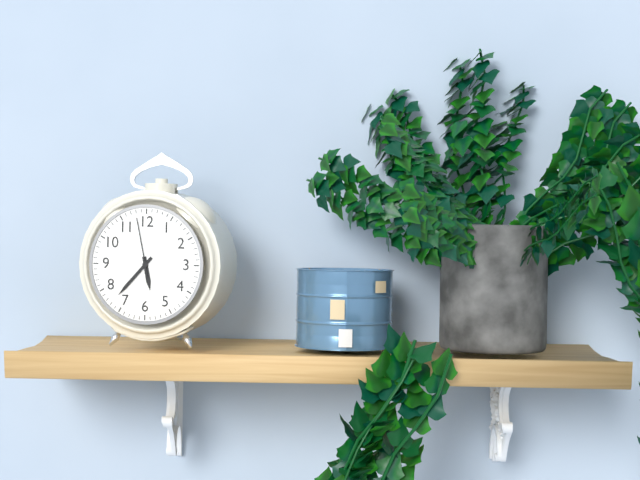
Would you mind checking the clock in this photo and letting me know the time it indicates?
5:37:58
